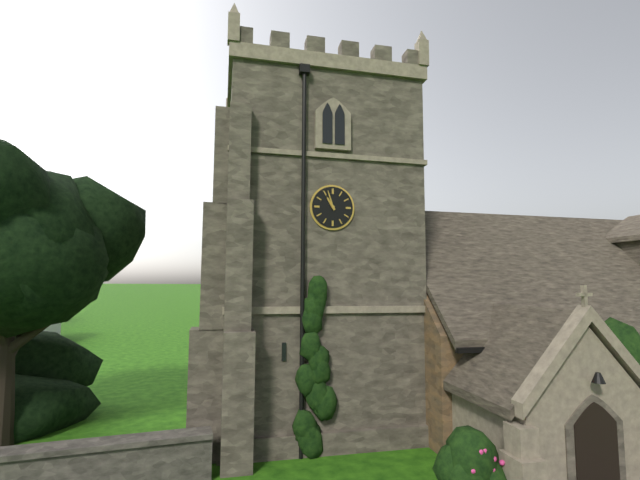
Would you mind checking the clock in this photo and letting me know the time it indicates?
10:57
